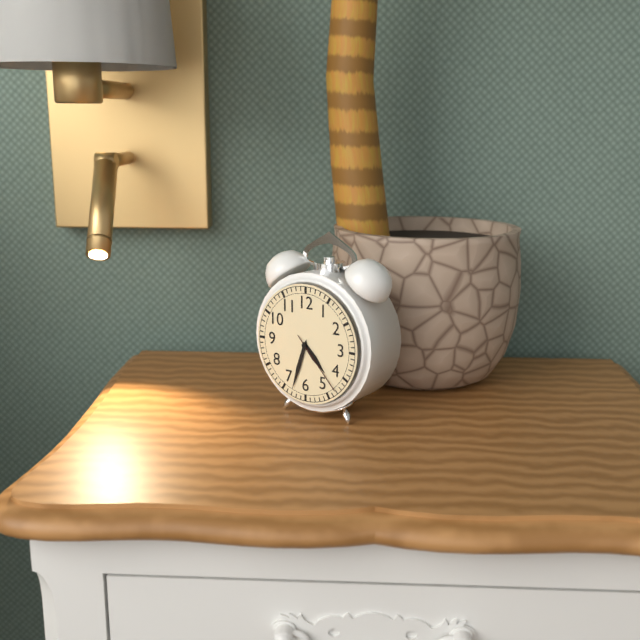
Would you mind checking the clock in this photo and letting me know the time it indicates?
4:33:23
